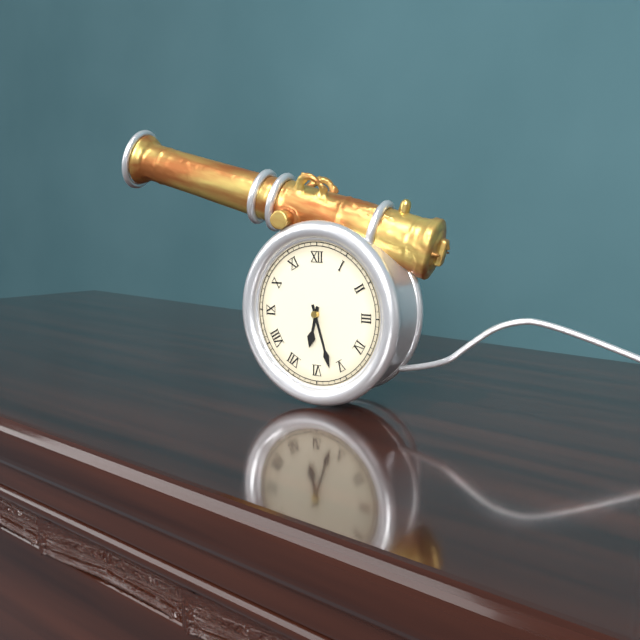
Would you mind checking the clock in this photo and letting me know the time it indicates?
6:27
